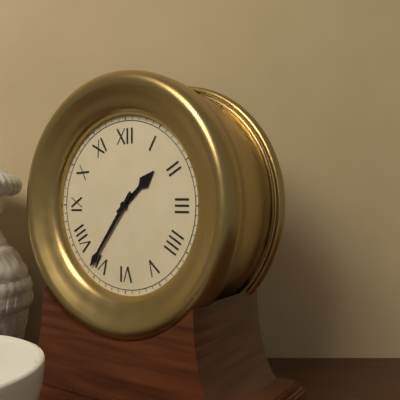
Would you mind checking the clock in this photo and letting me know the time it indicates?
1:36
